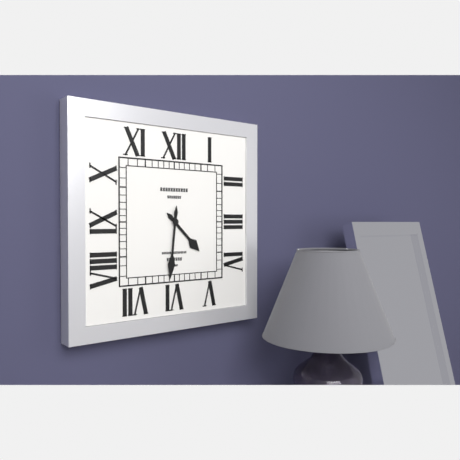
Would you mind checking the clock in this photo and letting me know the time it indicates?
4:31
